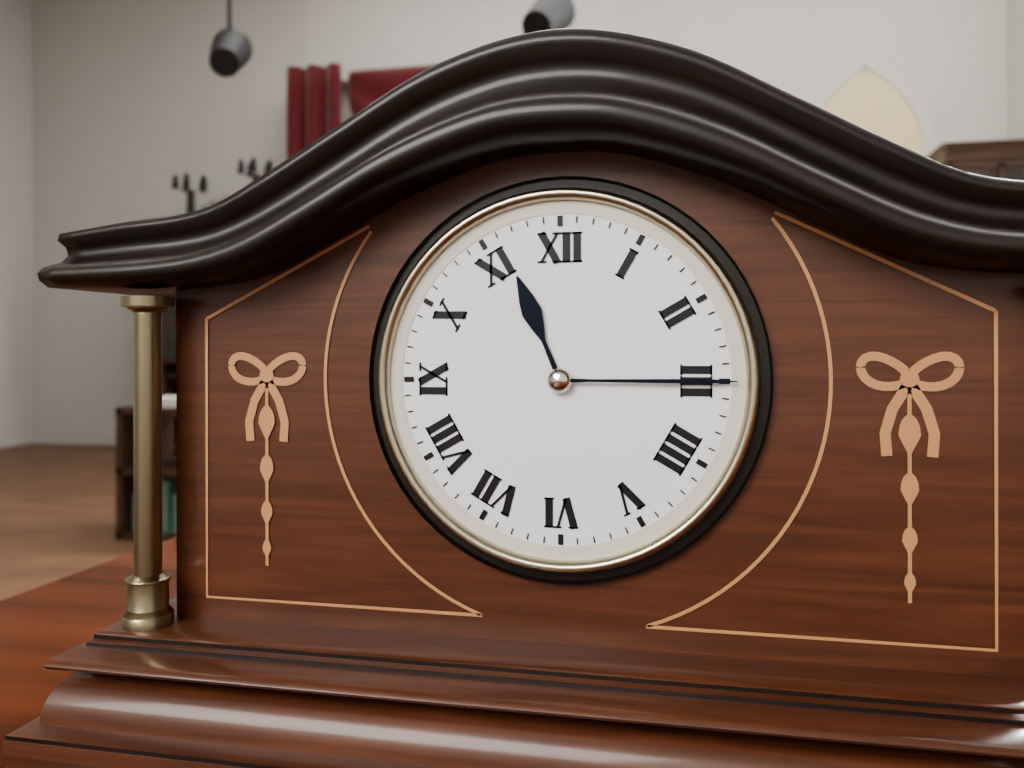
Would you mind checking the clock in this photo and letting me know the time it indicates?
11:15
